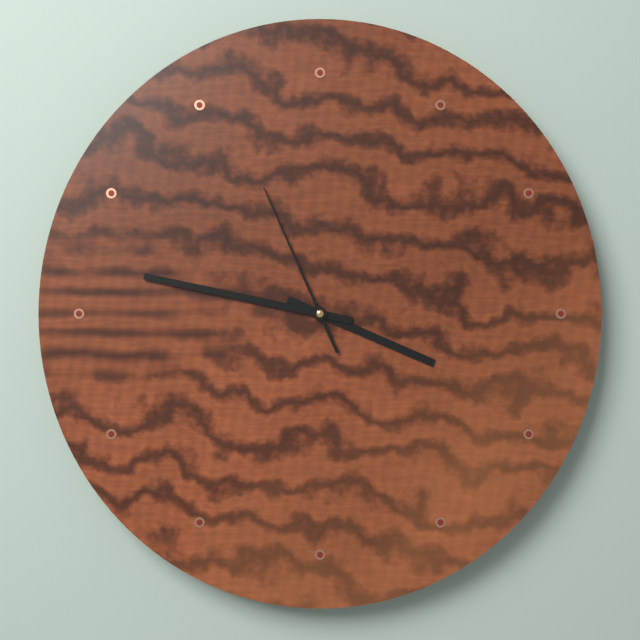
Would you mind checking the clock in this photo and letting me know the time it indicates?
3:47:56
